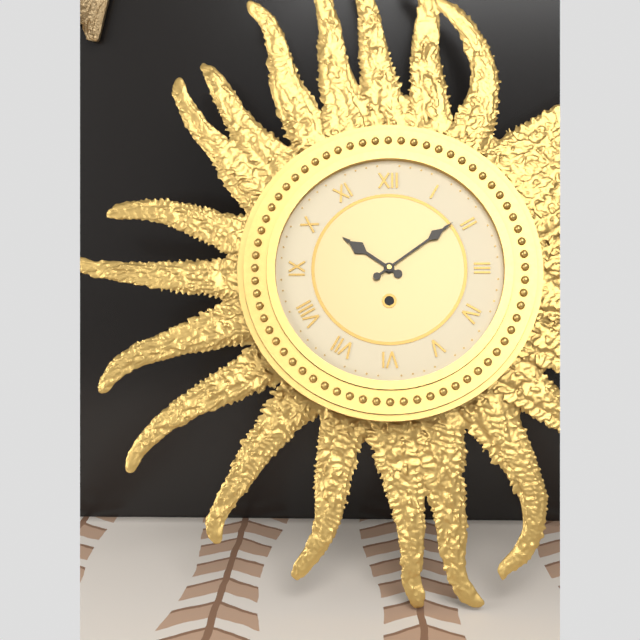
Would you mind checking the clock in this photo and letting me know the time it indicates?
10:09
